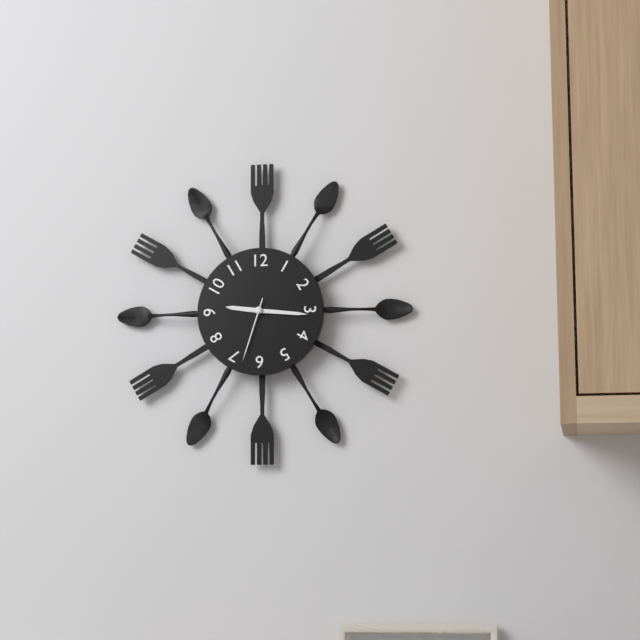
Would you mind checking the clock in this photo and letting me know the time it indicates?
9:16:33
